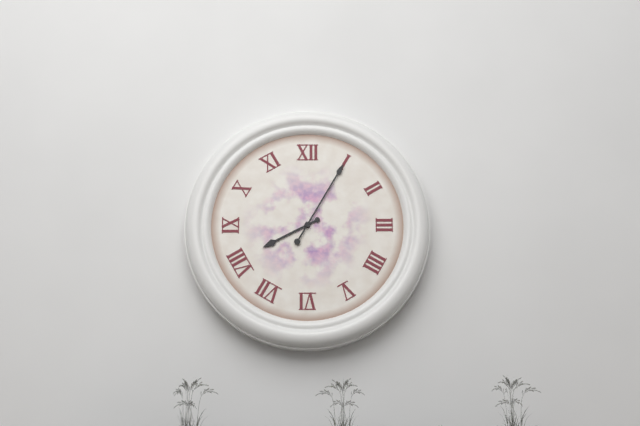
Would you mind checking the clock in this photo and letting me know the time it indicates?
8:05
